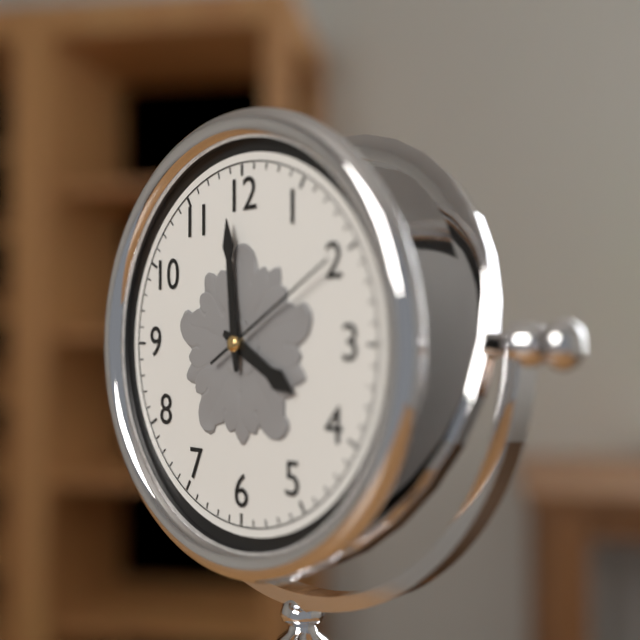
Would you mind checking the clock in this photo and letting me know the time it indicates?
3:59:10
